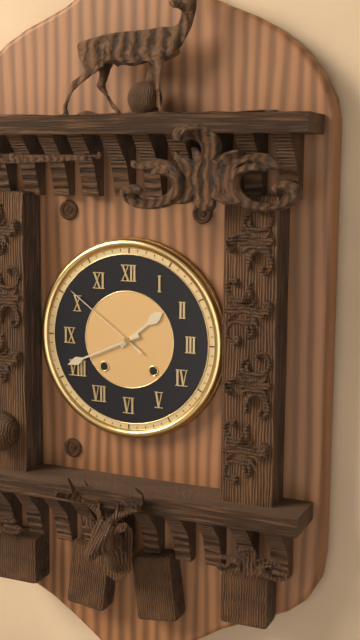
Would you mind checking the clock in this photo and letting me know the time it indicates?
1:41:51
